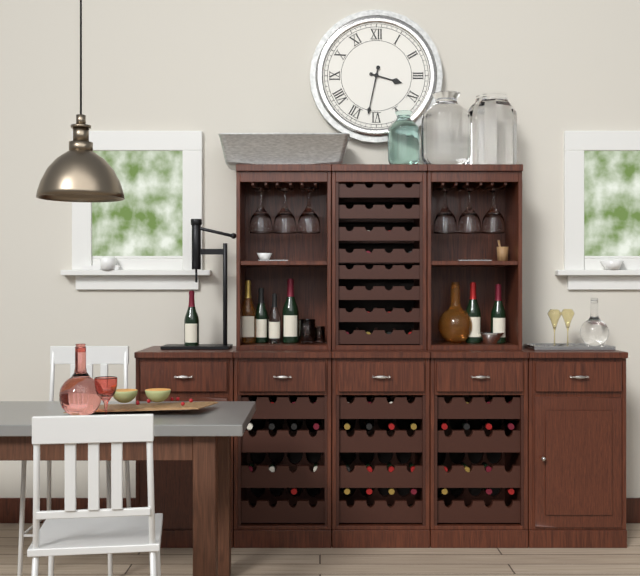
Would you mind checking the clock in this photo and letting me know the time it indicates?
3:32
